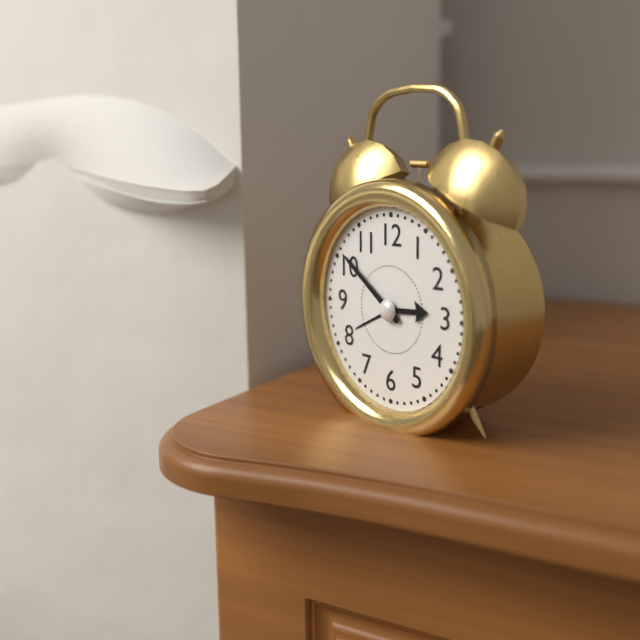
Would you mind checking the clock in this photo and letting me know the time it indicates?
2:51
